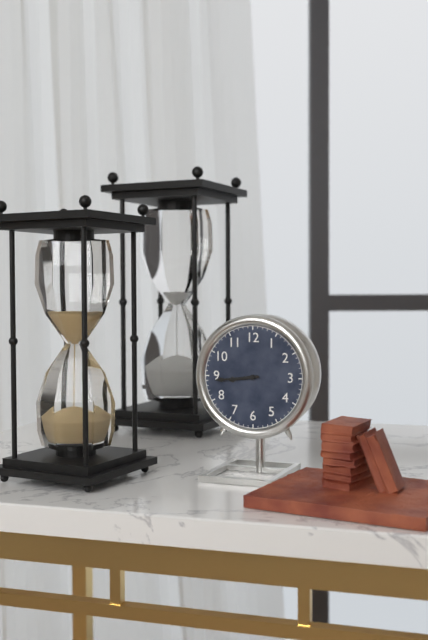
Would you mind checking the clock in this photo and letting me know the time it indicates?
8:44
